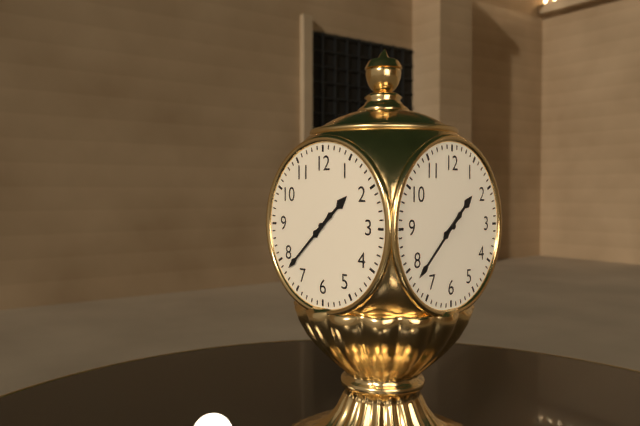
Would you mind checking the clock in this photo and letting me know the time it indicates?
1:38
